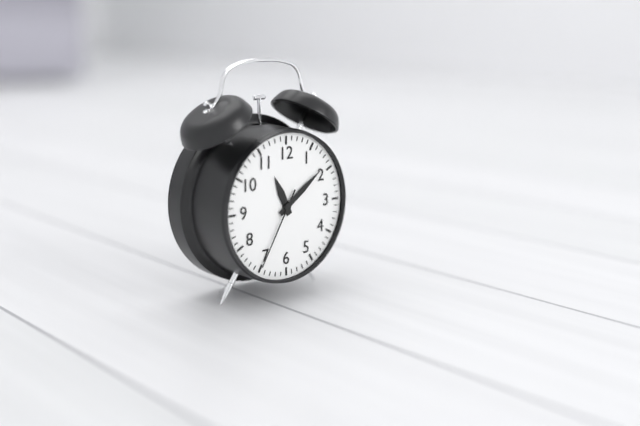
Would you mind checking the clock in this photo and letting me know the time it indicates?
11:09:35
